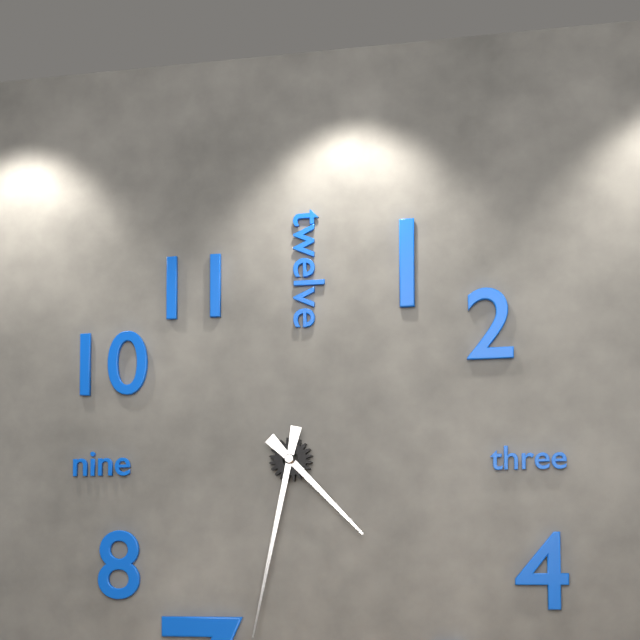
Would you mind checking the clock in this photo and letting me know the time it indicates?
4:32
